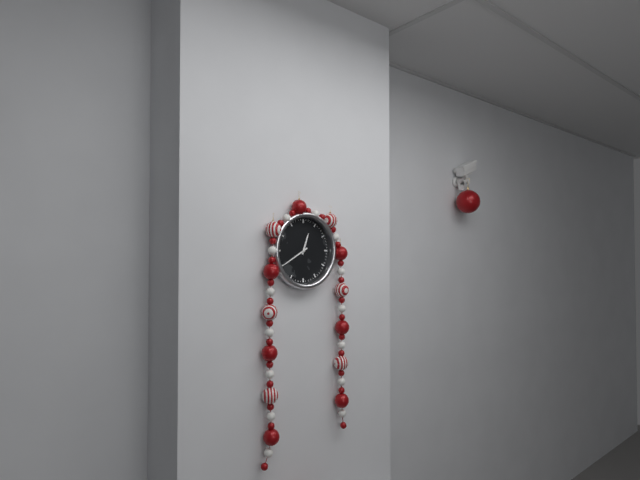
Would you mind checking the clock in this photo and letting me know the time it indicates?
12:40
